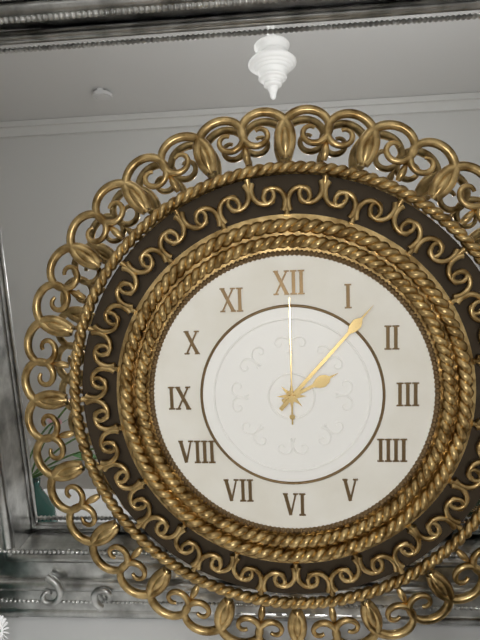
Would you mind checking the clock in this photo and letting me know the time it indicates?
2:07:00
